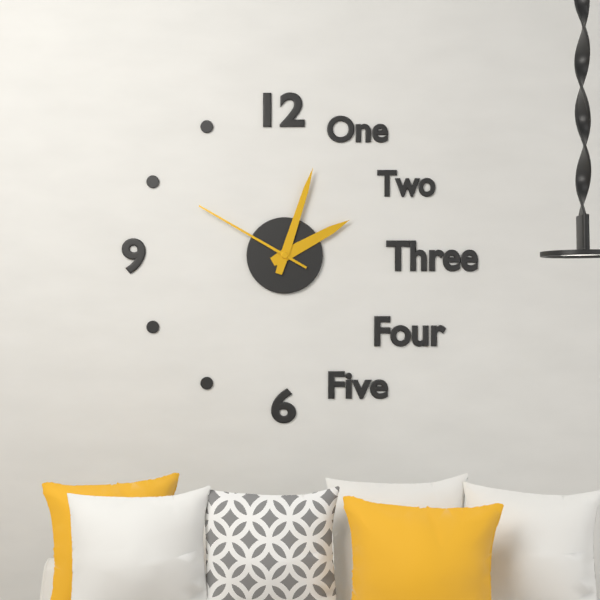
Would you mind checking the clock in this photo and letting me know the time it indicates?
2:03:50
